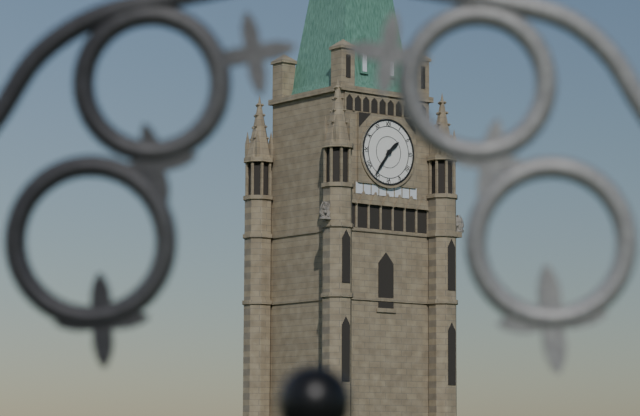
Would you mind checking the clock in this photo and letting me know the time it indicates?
1:36
